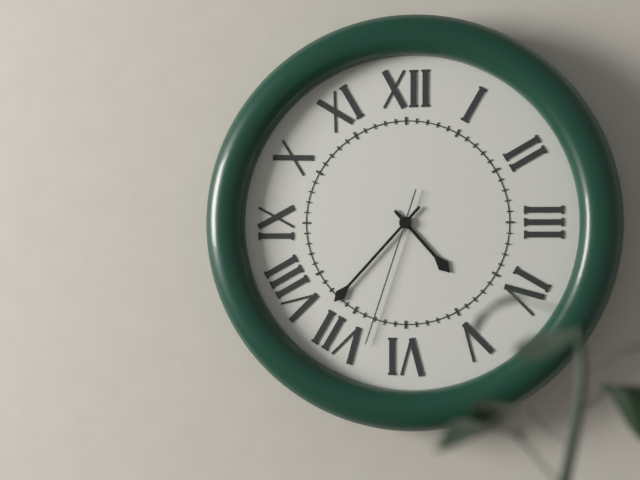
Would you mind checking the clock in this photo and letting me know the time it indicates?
4:37:33
